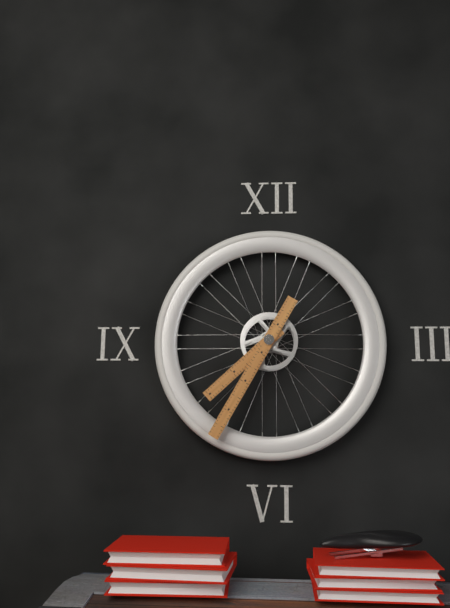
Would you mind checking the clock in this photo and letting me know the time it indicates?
7:35
